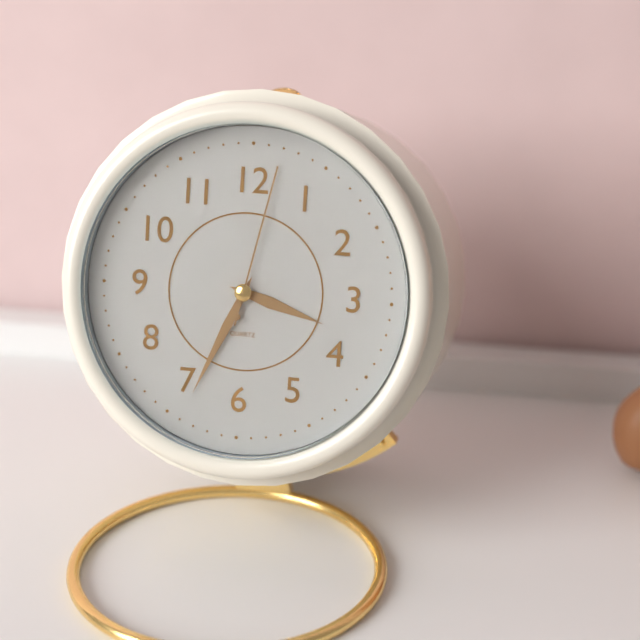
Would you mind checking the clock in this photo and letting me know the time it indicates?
3:34:02
